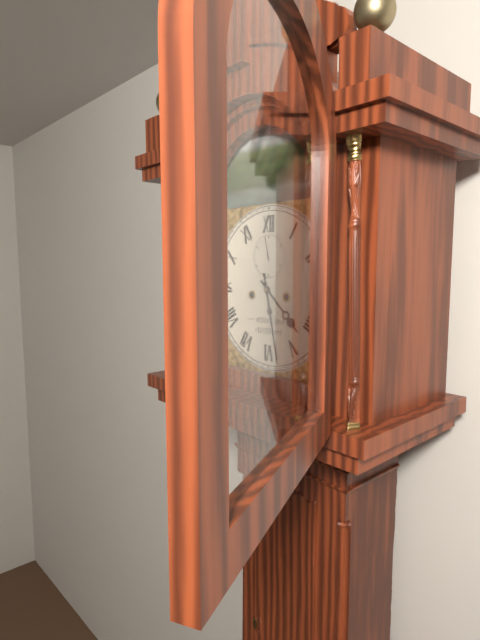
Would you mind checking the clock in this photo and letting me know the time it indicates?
4:28
